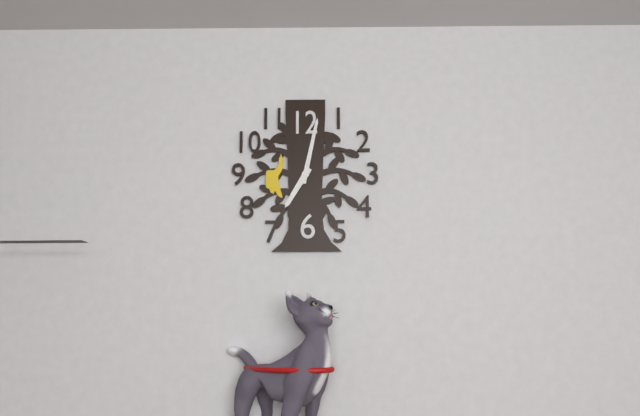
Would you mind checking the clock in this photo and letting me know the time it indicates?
7:02
